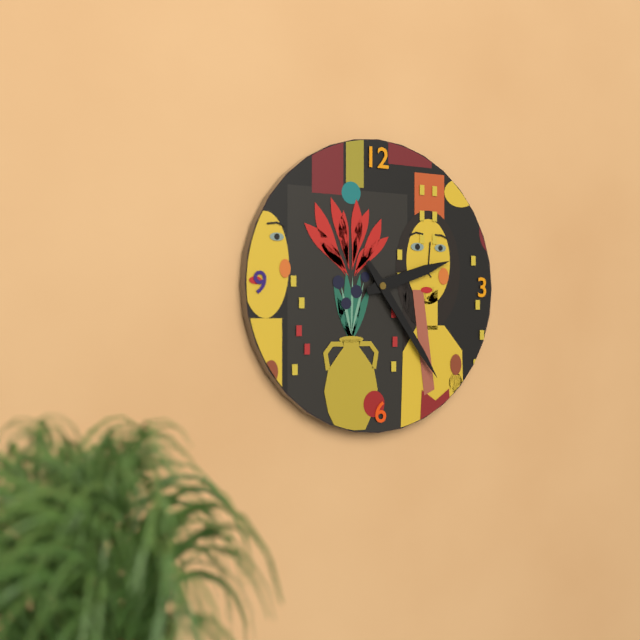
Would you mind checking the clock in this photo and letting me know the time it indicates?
2:24
